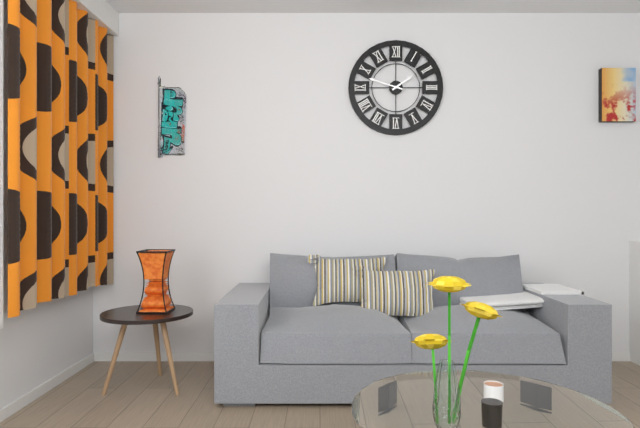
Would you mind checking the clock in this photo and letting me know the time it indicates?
1:48
